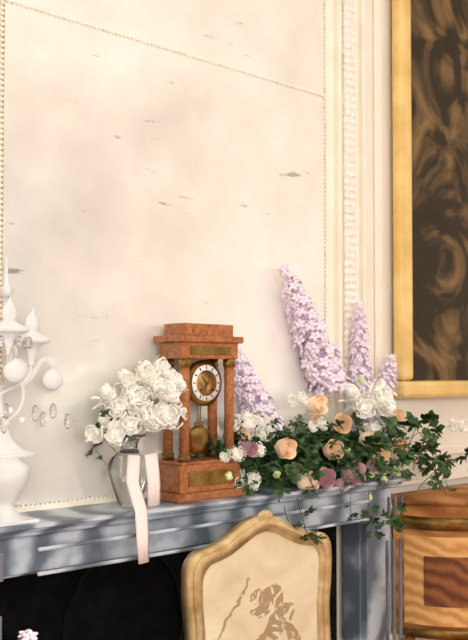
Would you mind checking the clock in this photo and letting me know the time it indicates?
10:34
